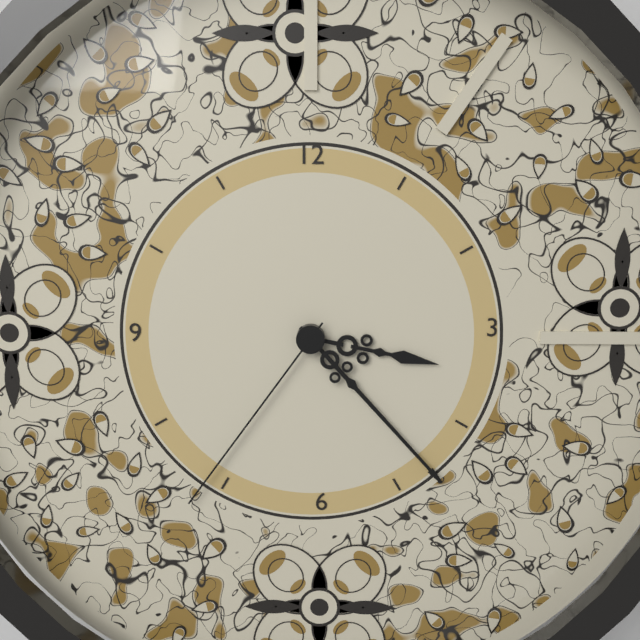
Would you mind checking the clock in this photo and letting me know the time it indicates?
3:23:36
